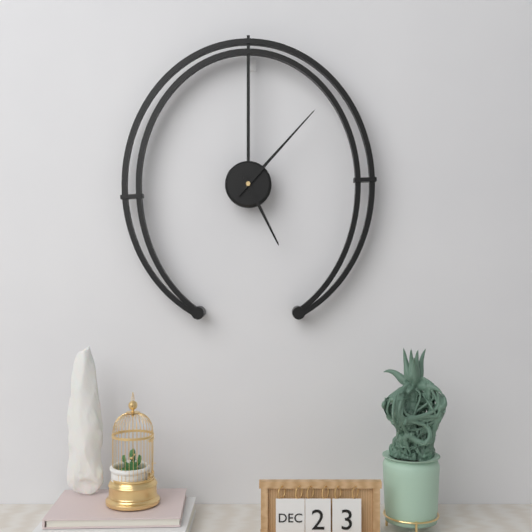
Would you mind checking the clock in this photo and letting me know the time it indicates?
5:07
